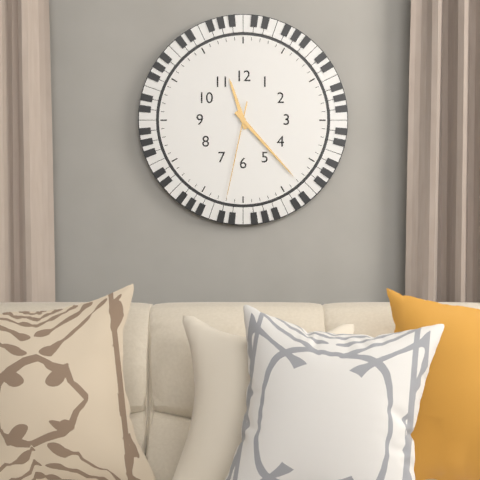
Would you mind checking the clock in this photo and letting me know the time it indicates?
11:23:32
